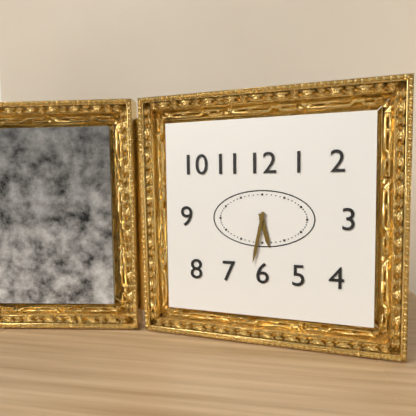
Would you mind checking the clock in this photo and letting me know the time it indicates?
5:32
